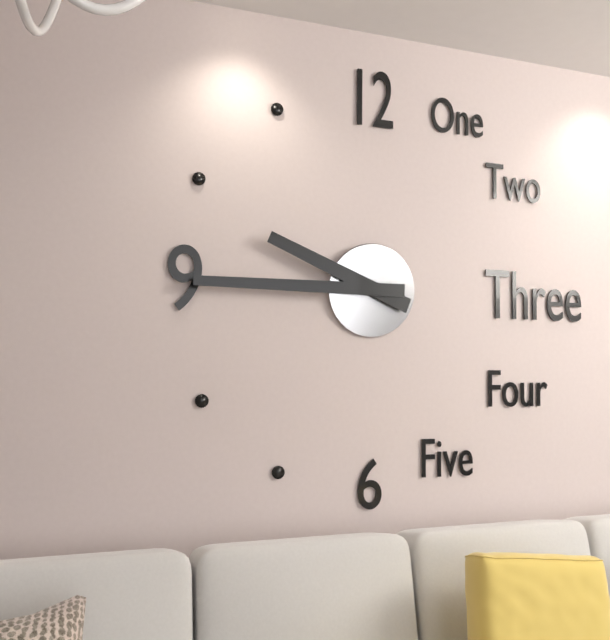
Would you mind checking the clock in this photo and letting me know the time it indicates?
9:45
